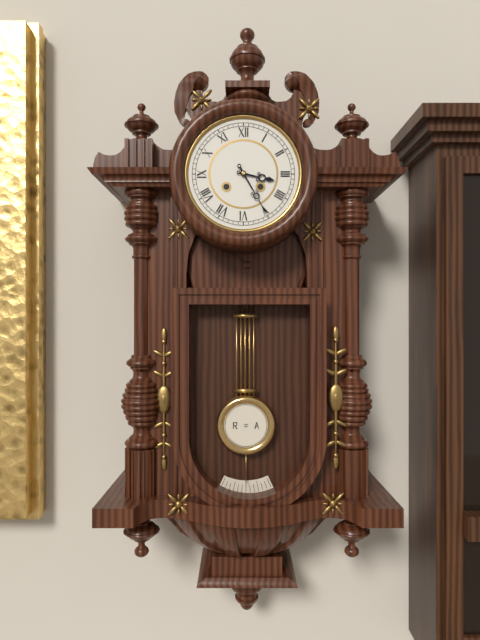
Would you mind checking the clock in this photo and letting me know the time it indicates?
3:25
